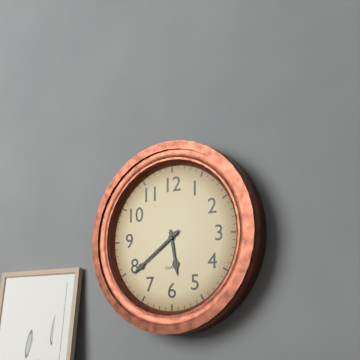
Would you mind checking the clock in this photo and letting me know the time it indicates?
5:39
